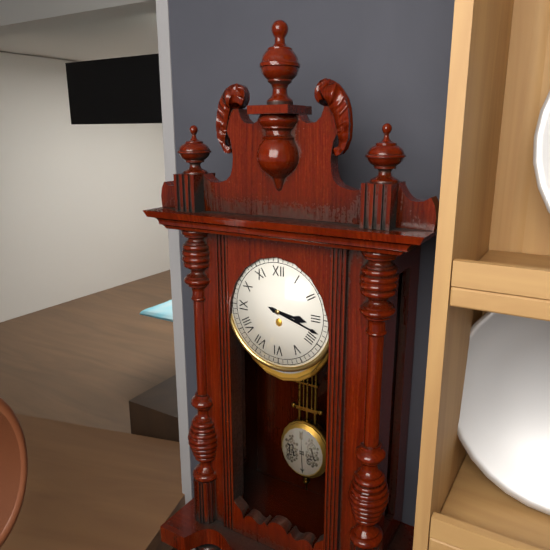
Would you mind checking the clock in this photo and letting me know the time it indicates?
3:18
